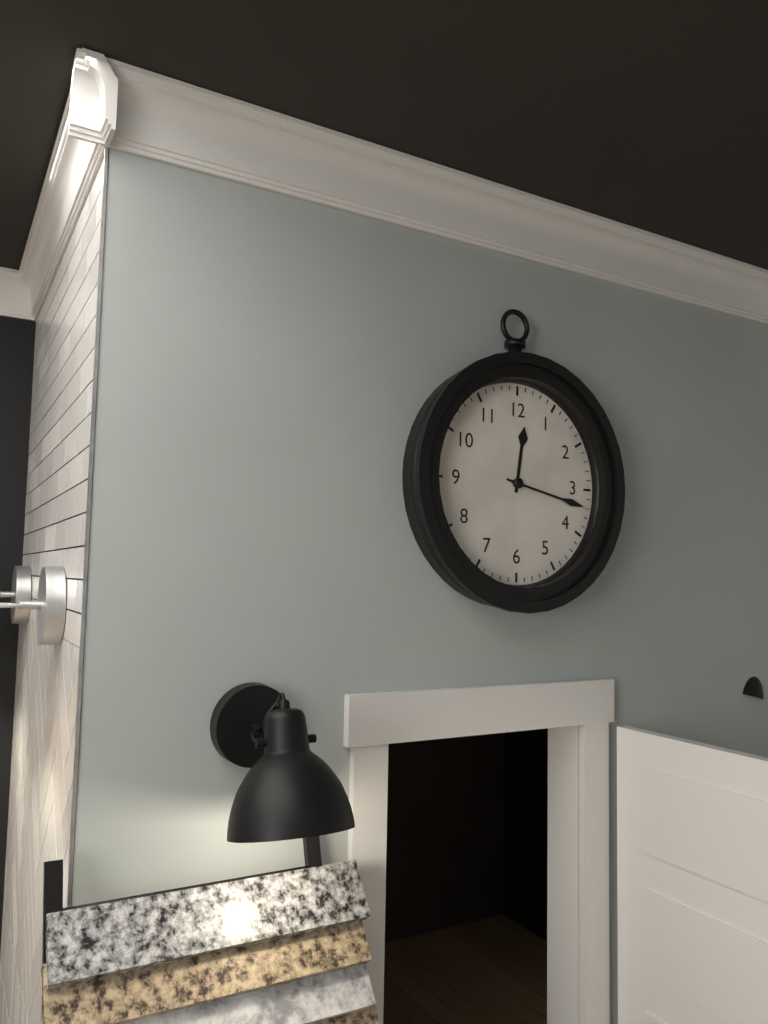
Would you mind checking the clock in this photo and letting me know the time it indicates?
12:17
